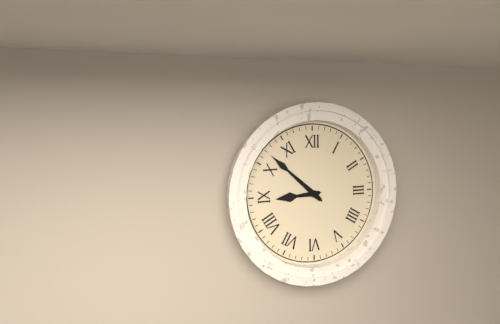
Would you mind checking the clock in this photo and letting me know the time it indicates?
8:52
